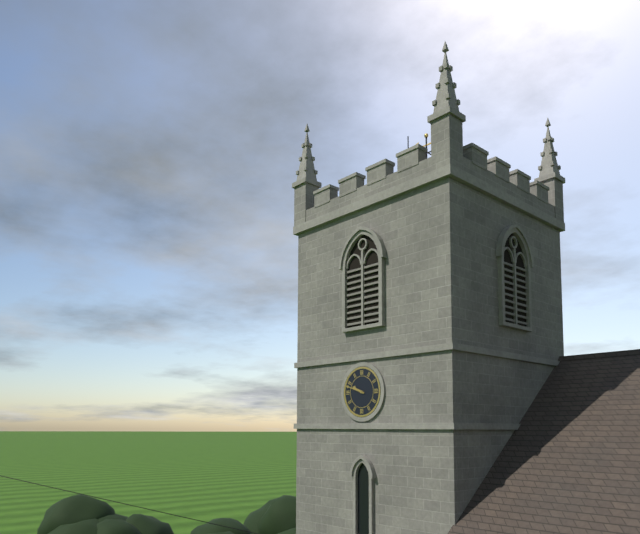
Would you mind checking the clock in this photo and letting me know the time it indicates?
9:48
